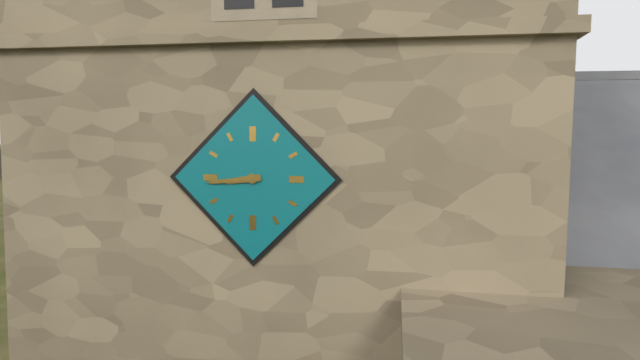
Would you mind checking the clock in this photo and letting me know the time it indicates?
8:44
